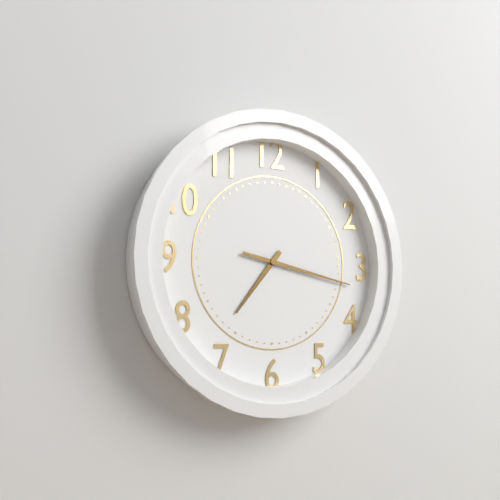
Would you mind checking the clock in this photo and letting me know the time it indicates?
7:17
